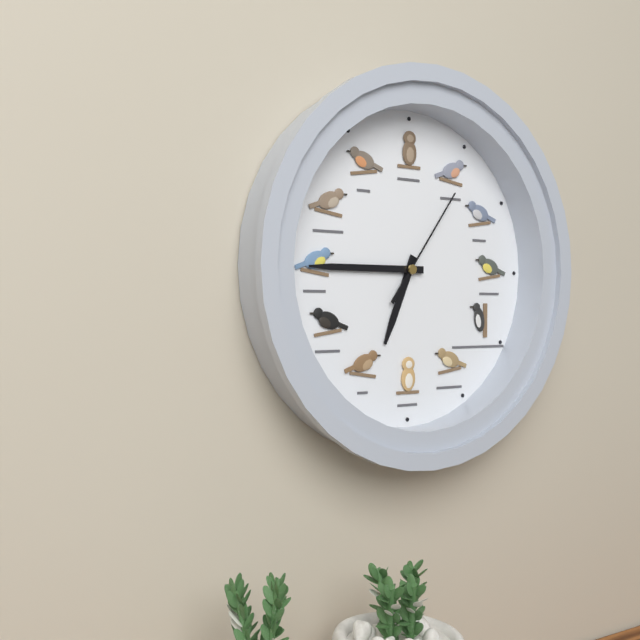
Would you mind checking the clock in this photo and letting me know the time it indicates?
6:45:06
